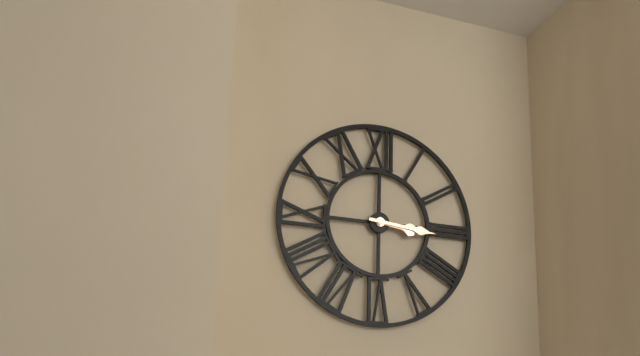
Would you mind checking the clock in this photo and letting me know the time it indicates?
3:16
